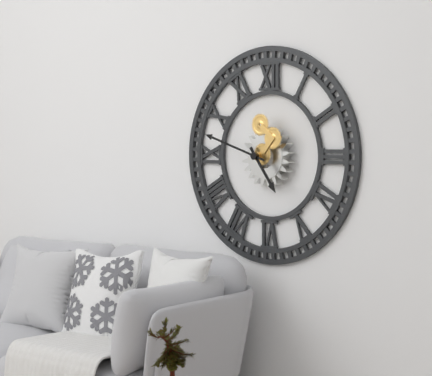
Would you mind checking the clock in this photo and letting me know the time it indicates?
4:48
